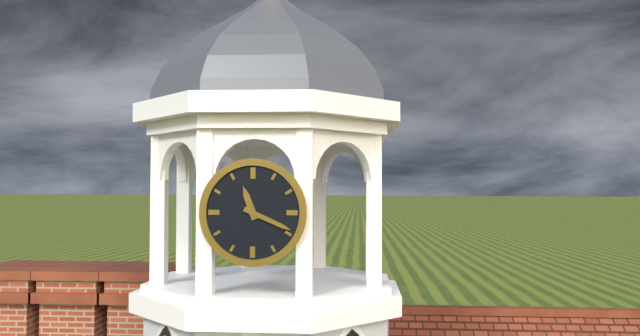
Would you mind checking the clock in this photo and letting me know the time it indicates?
11:19
